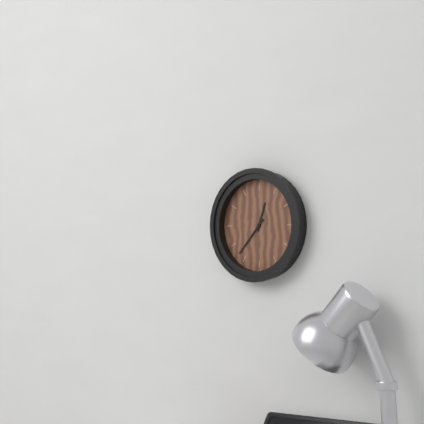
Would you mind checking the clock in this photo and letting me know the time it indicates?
12:37
